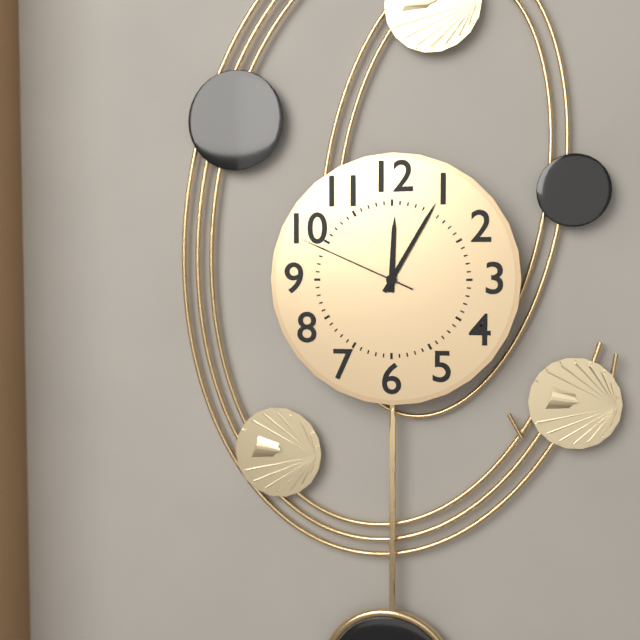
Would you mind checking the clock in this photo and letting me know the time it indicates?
12:05:49
